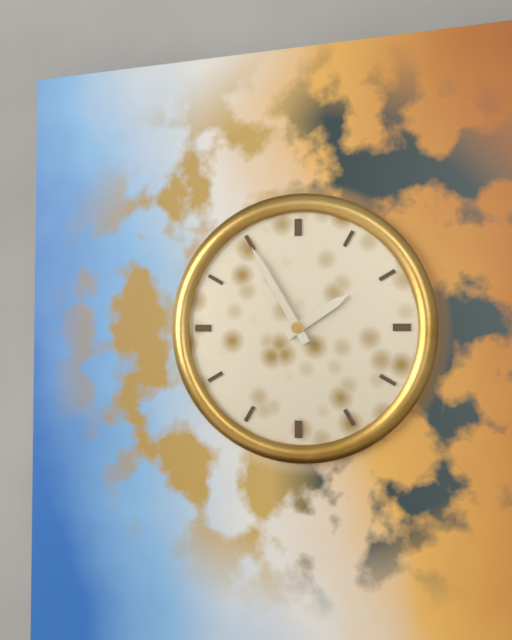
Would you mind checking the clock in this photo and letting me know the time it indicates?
1:55
